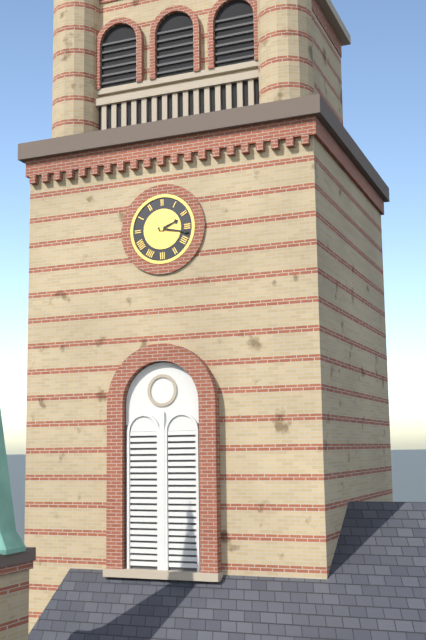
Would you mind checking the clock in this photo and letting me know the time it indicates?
2:17
